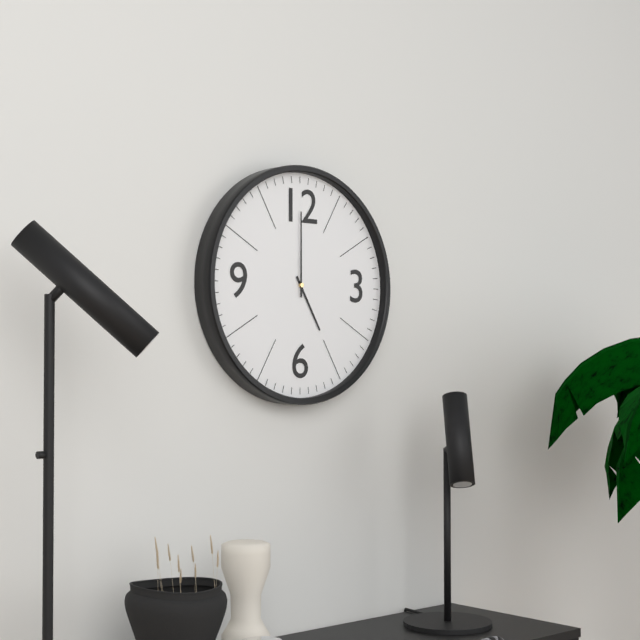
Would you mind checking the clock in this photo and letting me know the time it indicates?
5:00
